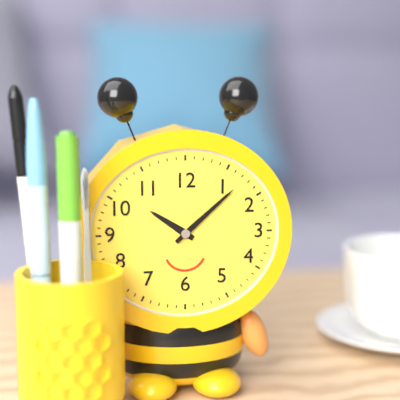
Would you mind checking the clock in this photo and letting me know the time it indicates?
10:08
